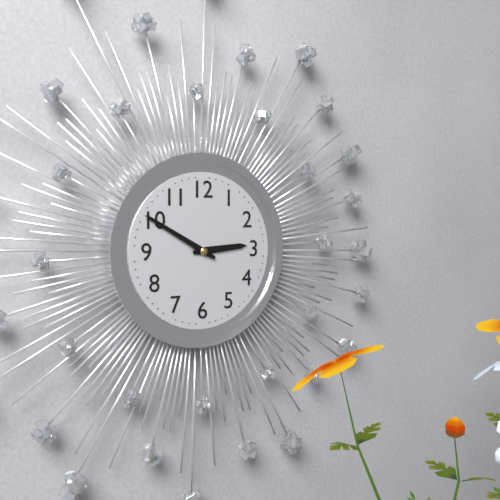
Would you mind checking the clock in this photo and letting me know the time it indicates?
2:50
